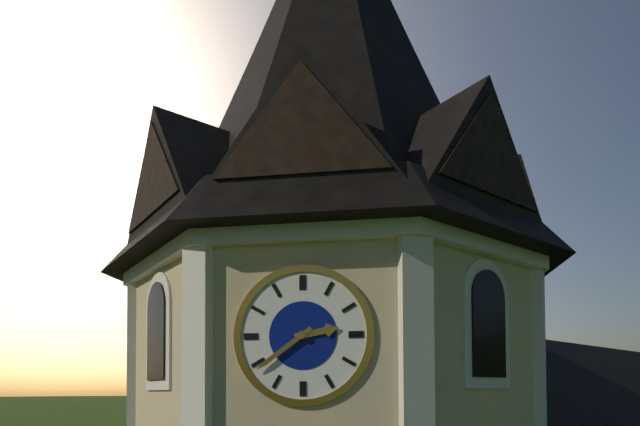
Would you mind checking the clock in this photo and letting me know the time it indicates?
2:39
